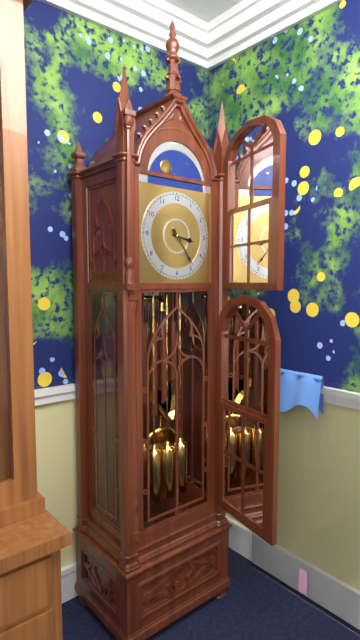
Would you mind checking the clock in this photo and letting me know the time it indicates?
3:24
